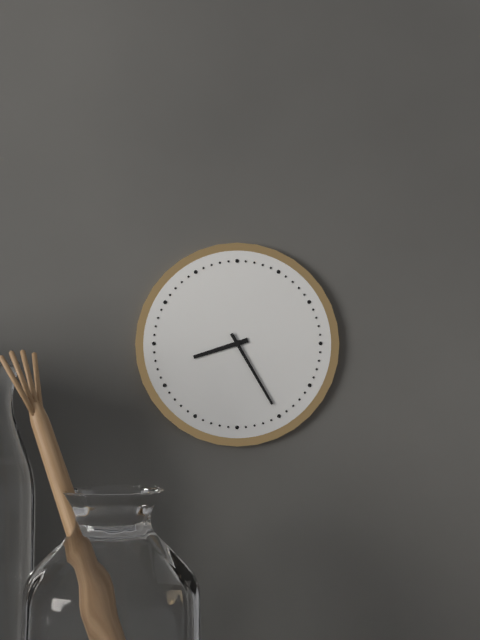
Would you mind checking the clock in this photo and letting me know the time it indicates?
8:25
